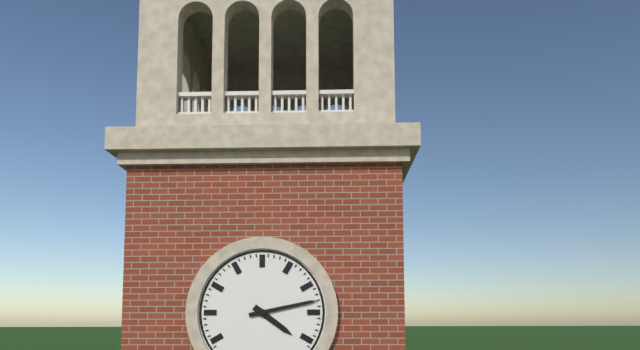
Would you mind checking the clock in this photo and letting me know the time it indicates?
4:13
